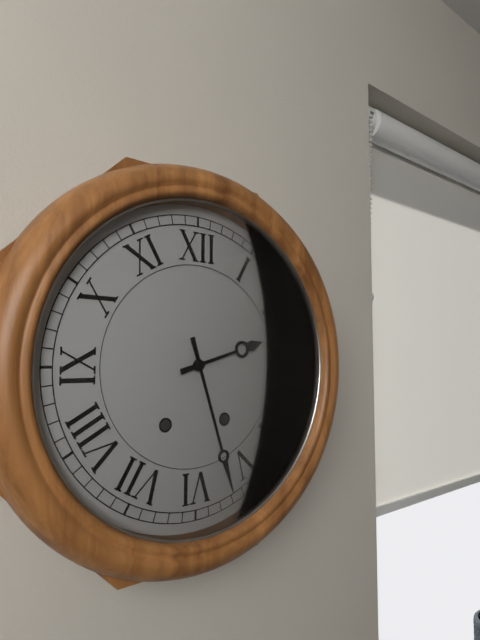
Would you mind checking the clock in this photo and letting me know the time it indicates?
2:27
